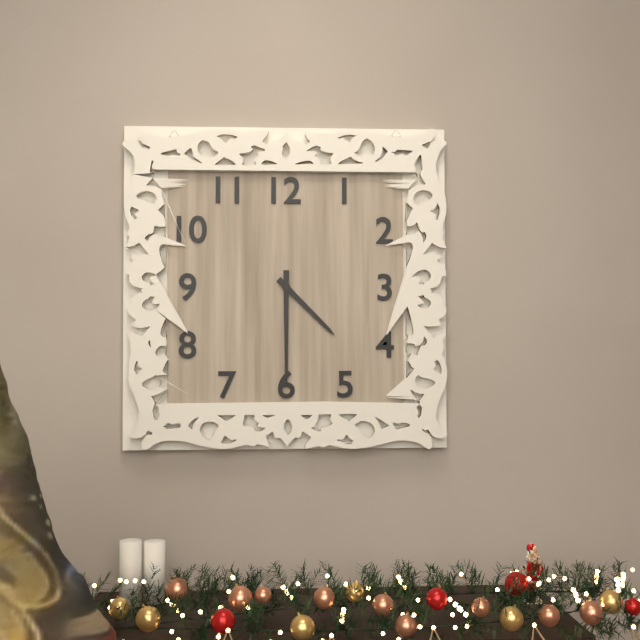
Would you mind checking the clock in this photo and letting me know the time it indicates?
4:30
